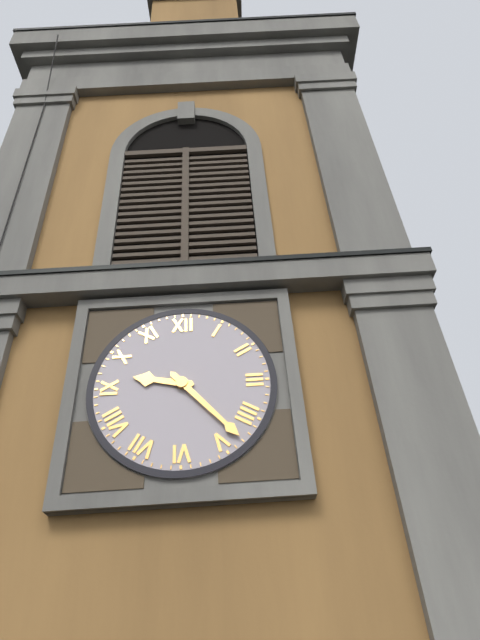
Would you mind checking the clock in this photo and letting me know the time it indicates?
9:23
